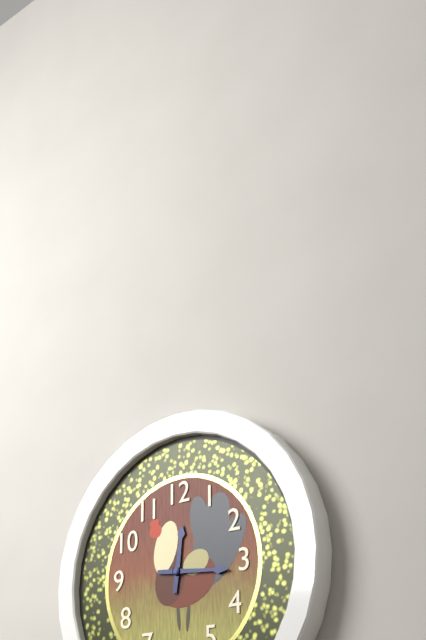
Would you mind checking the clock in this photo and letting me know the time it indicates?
12:16
